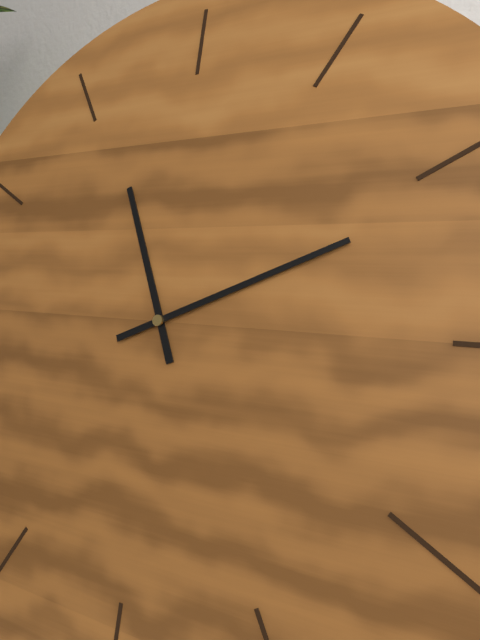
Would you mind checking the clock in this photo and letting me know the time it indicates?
11:11
